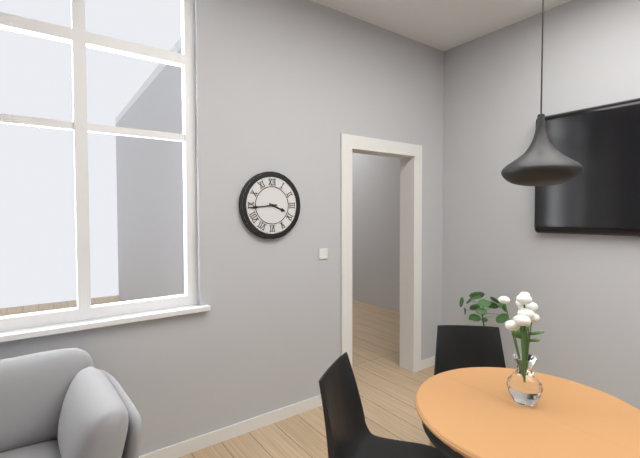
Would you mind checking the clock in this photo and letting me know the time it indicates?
3:44
